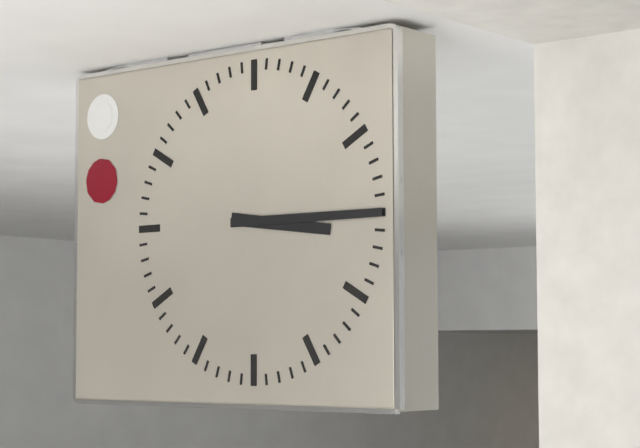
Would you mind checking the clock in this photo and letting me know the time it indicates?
3:15
